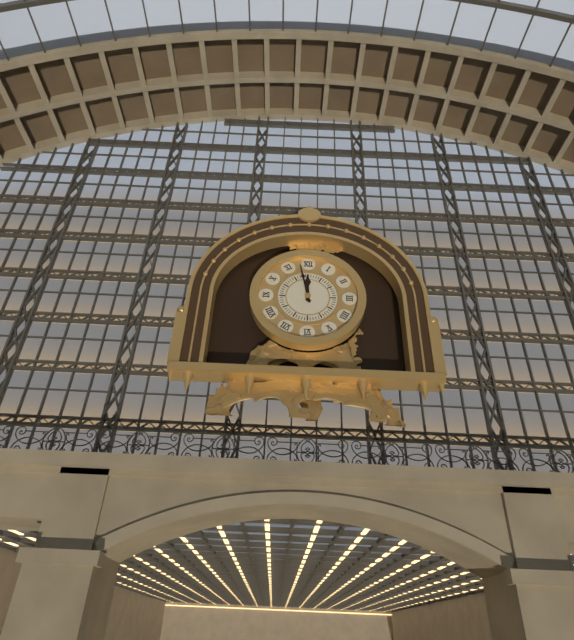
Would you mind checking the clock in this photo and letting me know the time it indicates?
11:58
